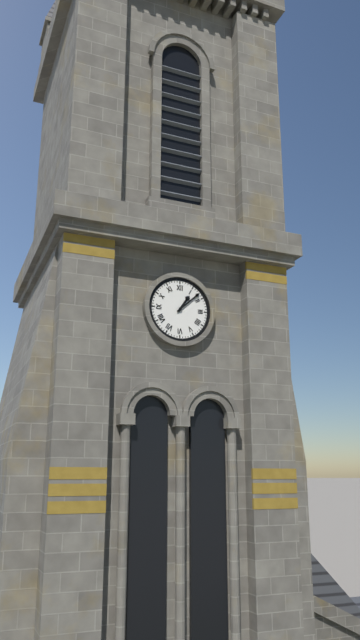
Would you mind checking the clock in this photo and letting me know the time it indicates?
1:08
